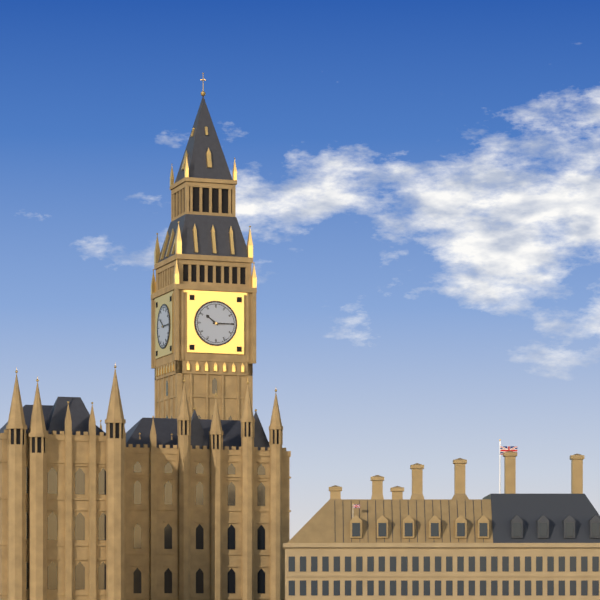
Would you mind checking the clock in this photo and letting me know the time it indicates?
10:15
